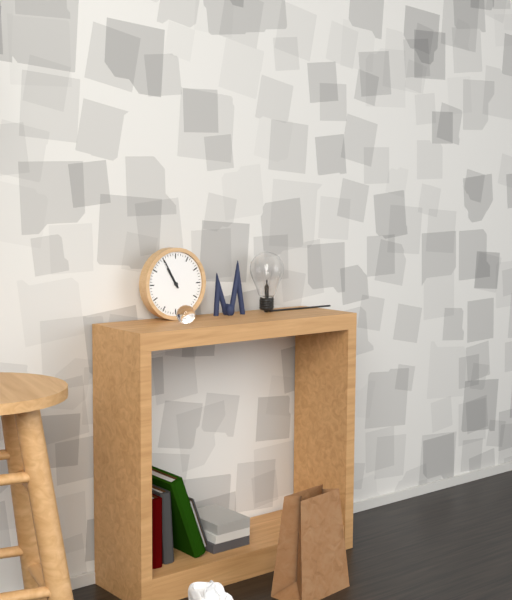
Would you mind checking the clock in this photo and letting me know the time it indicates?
10:55
